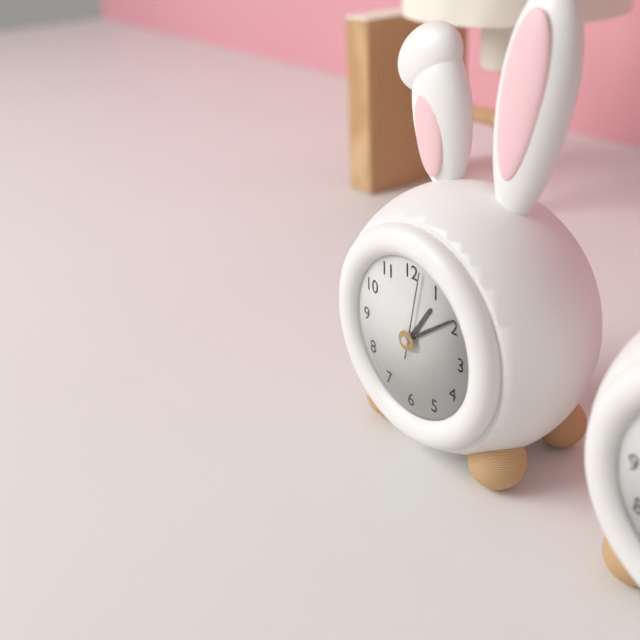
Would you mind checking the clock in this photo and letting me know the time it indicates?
1:09:02
